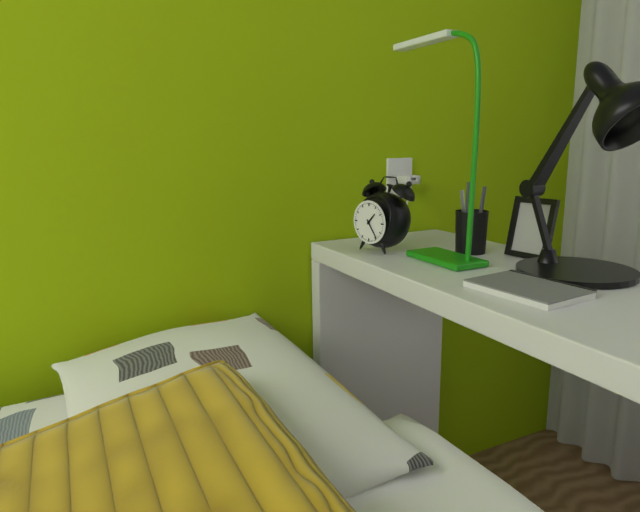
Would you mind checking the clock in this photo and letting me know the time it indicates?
1:24
